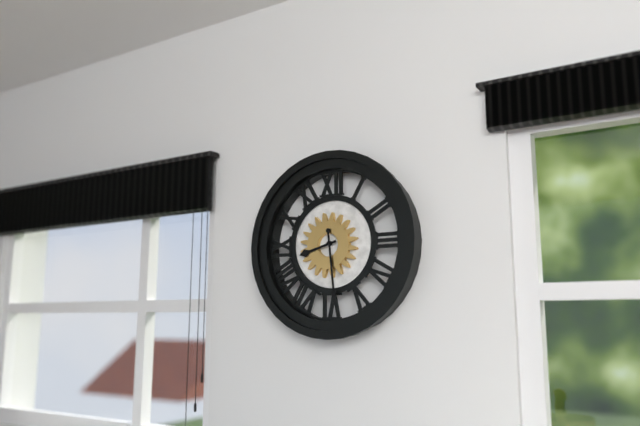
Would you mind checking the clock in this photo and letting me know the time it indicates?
8:29
